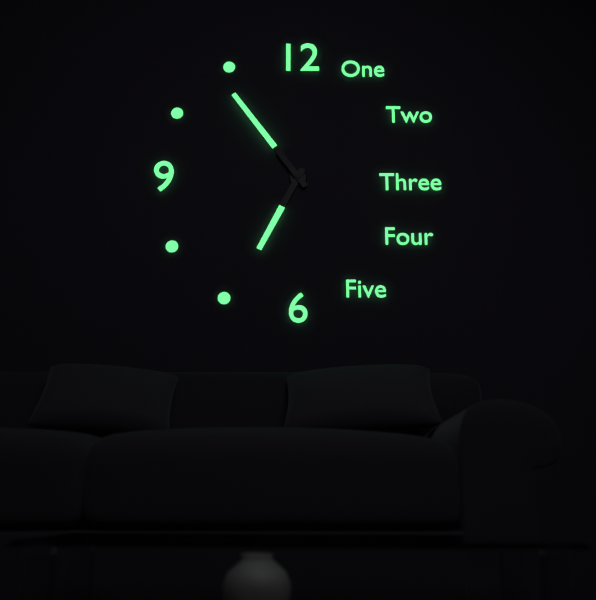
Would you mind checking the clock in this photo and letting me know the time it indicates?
6:54
